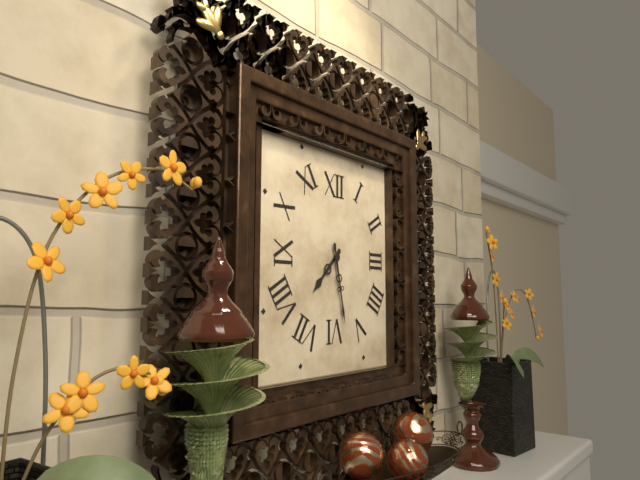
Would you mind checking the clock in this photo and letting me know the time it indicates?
7:28
